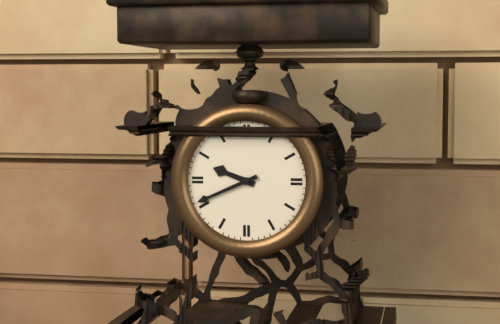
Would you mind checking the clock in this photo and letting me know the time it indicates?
9:41
